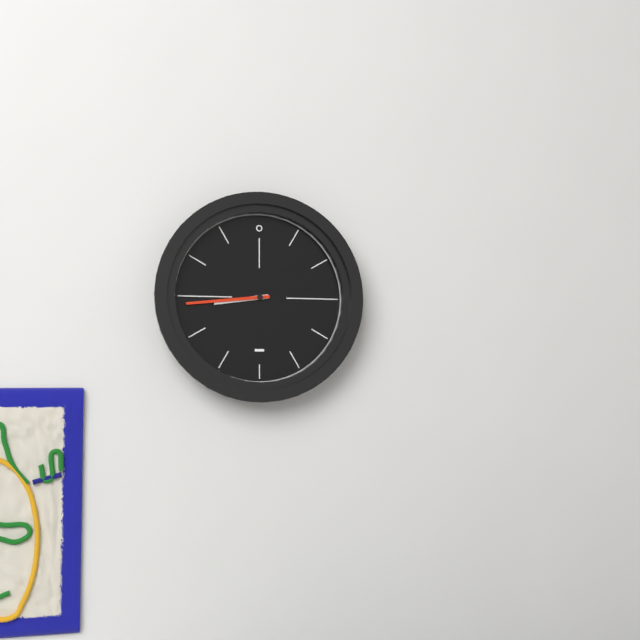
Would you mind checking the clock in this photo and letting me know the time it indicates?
8:44
